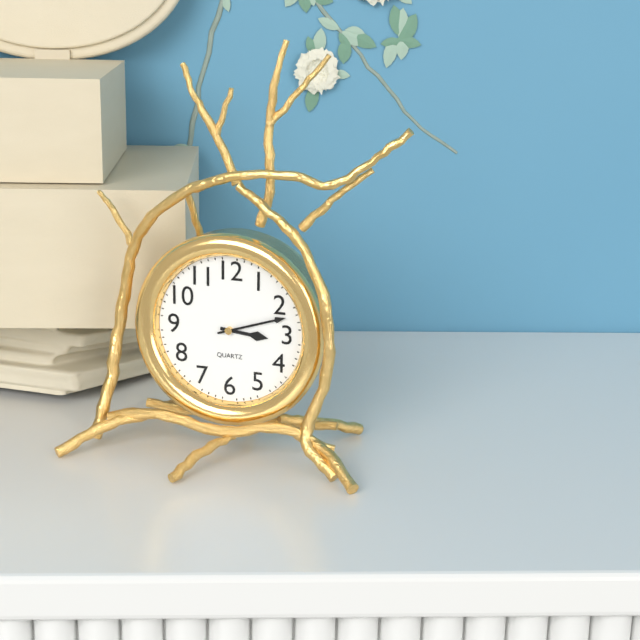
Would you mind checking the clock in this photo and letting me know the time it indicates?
3:12
